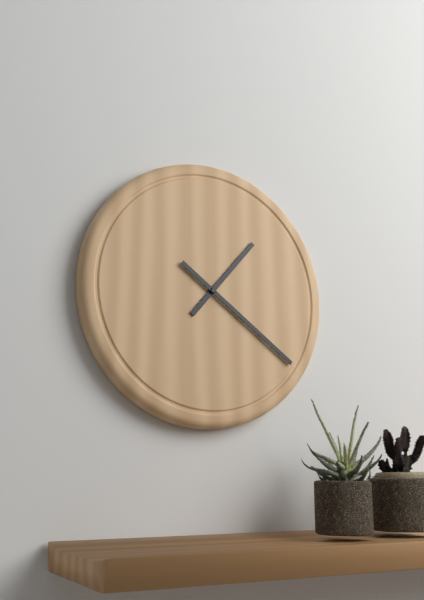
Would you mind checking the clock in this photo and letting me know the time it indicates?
1:21
